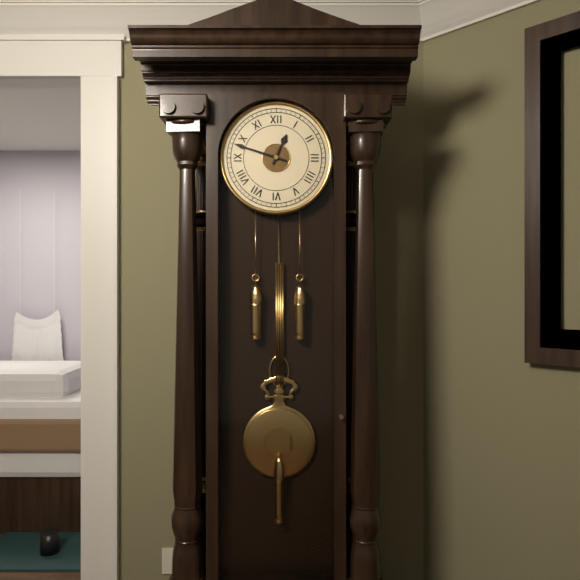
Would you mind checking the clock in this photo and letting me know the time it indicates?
12:48
